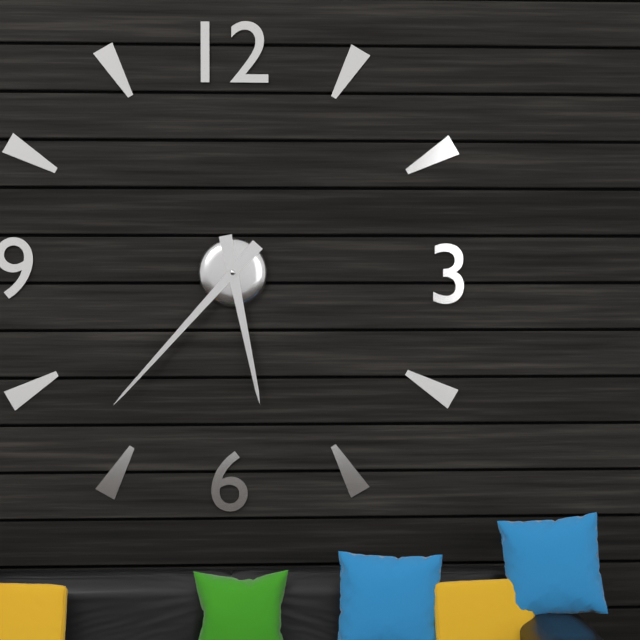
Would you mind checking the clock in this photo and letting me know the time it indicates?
5:37
